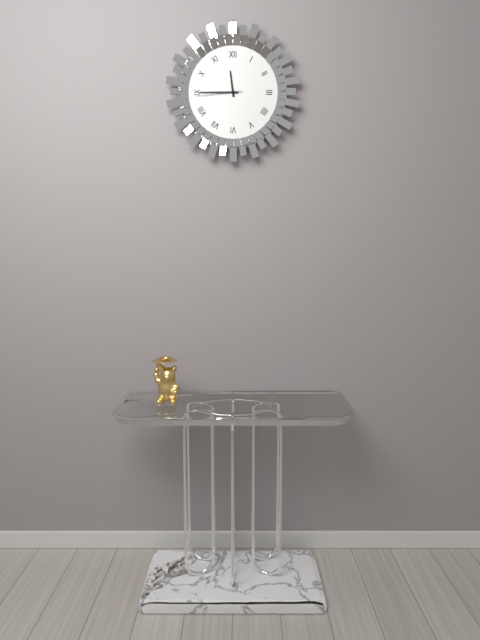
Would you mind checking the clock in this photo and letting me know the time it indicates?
11:45
